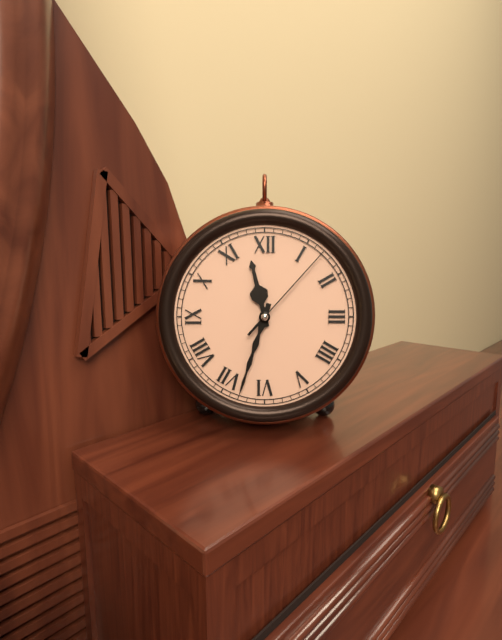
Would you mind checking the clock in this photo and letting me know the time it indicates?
11:33:07
